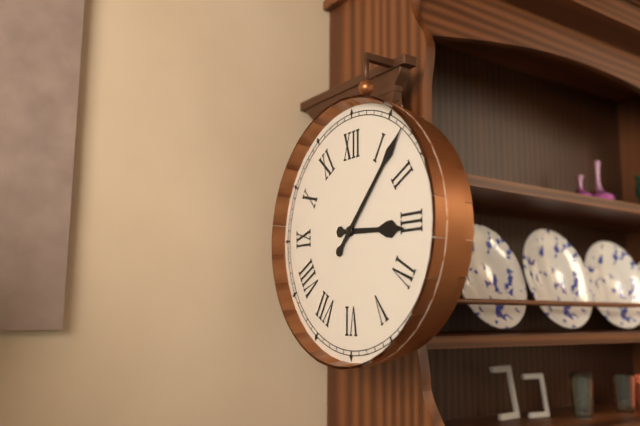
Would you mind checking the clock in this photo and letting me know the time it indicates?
3:07
